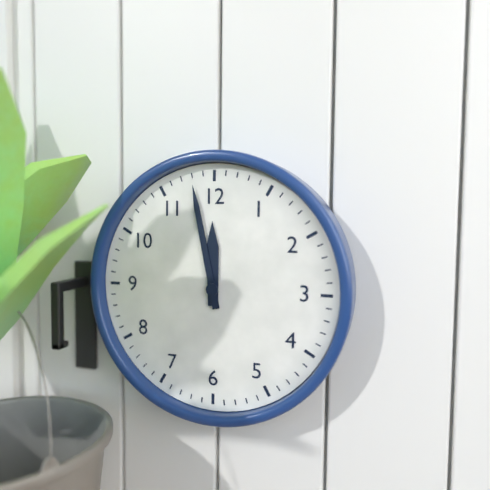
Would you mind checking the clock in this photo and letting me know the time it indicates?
11:58
